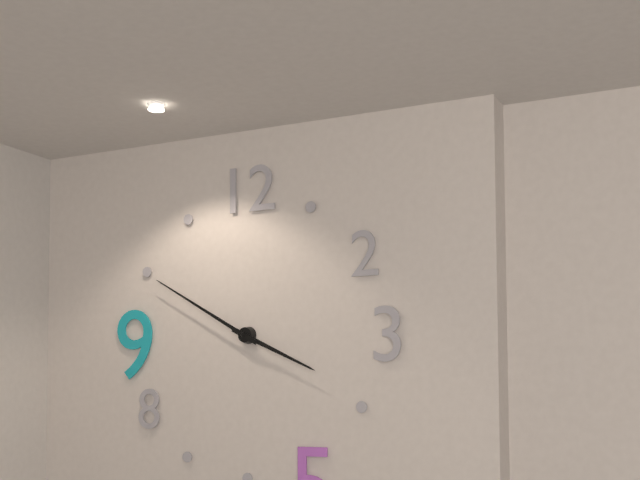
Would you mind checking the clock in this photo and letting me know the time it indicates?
3:50
